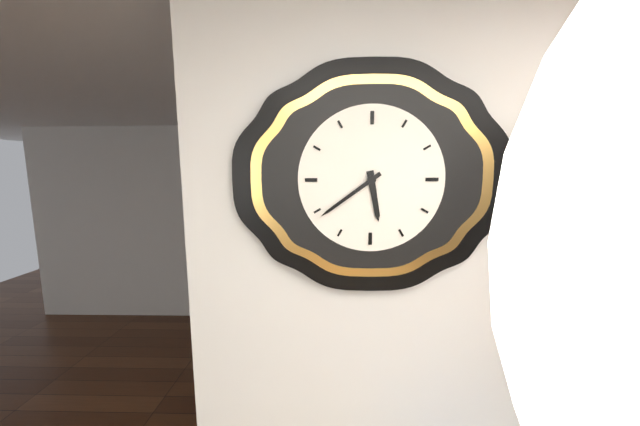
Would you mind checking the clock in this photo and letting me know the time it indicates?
5:39
